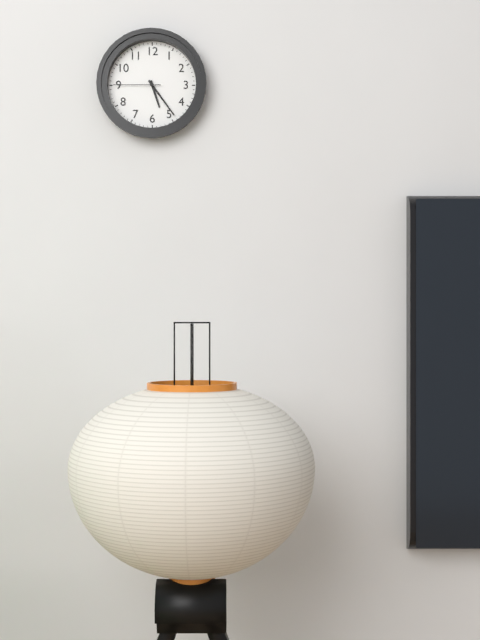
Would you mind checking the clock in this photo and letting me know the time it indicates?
5:24
